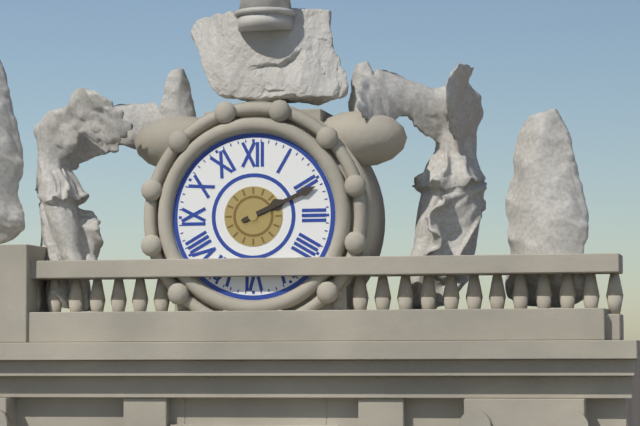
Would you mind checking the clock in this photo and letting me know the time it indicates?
2:11
